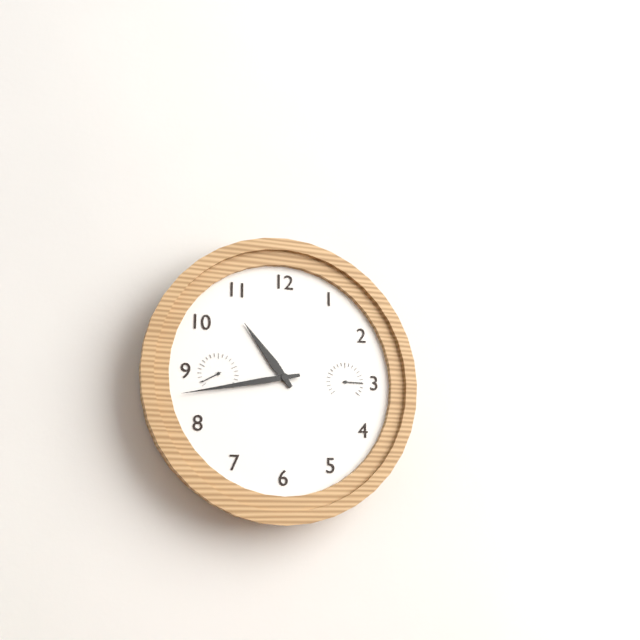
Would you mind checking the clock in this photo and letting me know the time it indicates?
10:43
